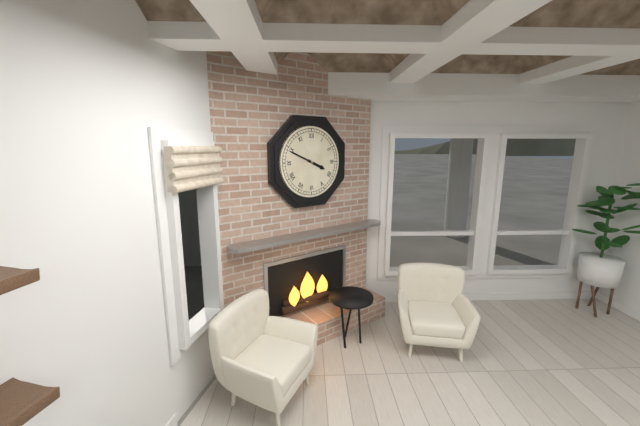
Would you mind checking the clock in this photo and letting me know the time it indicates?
3:49
